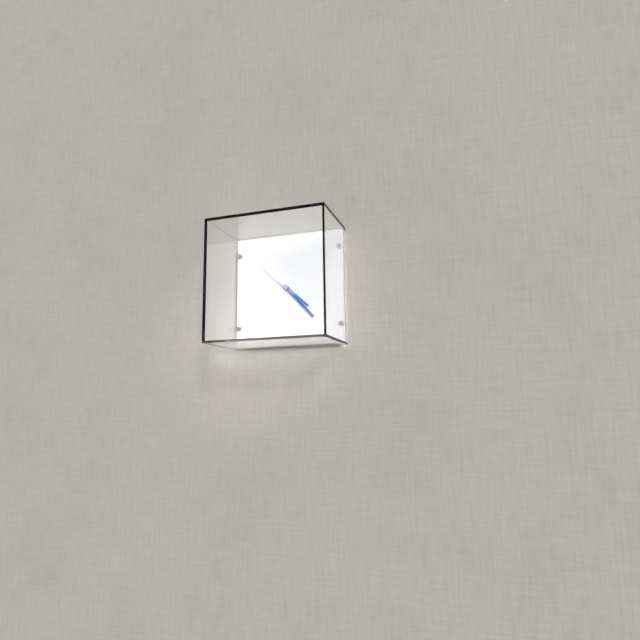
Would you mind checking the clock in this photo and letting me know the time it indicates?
4:23
